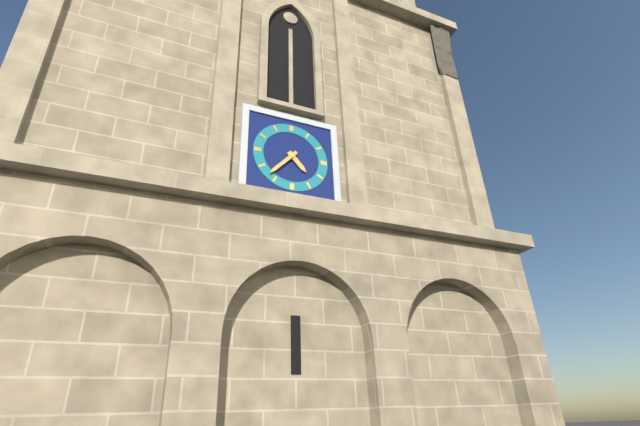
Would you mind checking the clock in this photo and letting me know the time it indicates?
4:37
